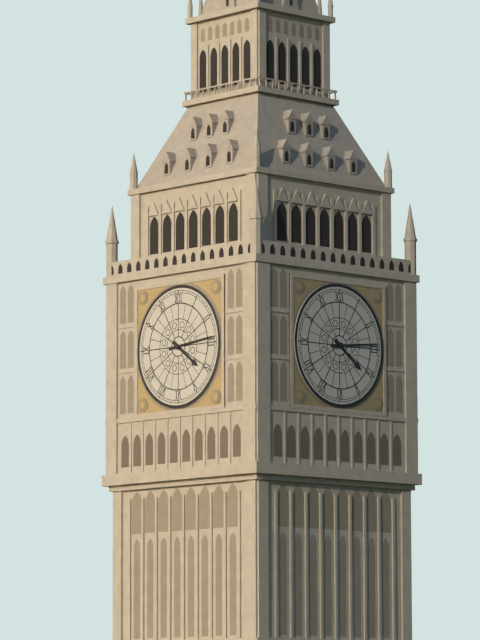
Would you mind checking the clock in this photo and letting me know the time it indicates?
4:14
